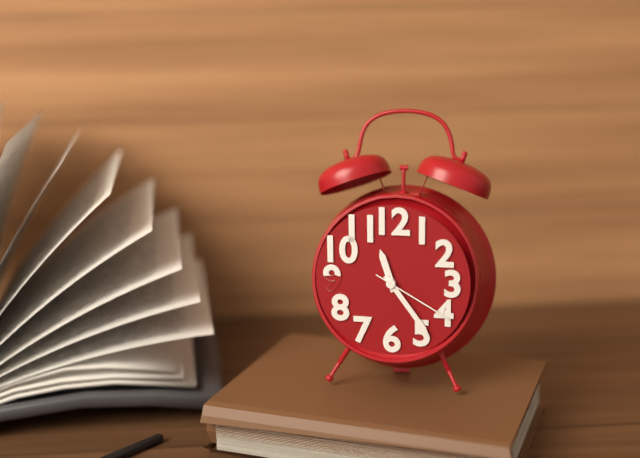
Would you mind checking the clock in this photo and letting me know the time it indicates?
11:24:20
